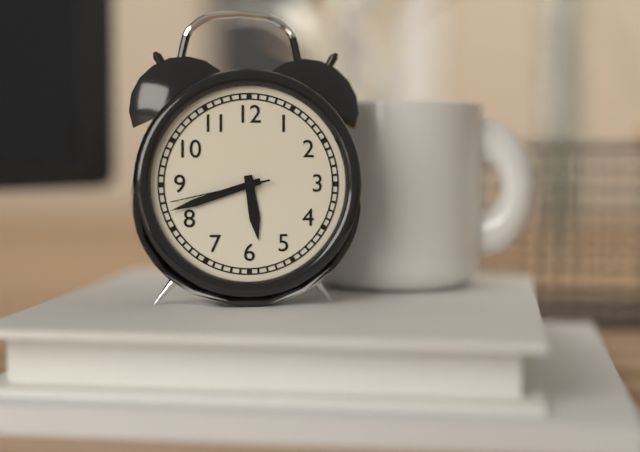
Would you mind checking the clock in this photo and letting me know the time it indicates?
5:42:43
